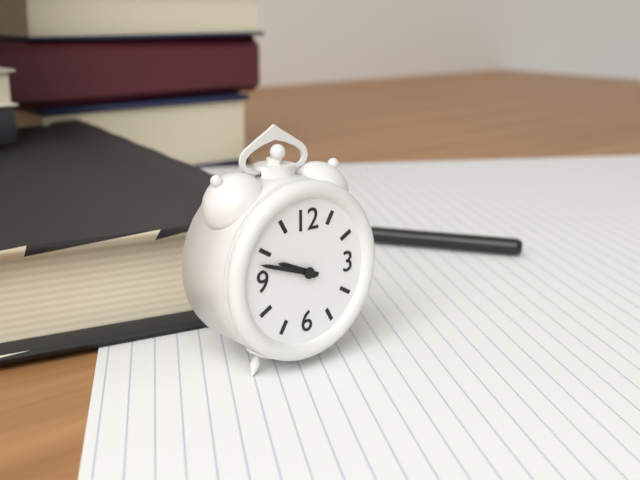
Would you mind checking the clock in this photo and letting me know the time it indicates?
9:48
